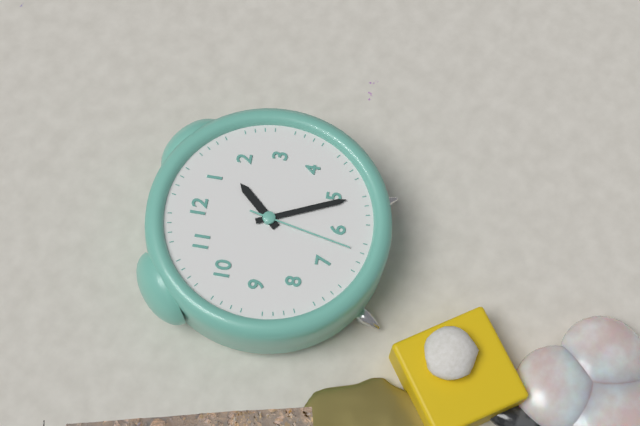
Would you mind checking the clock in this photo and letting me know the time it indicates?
1:26:32
